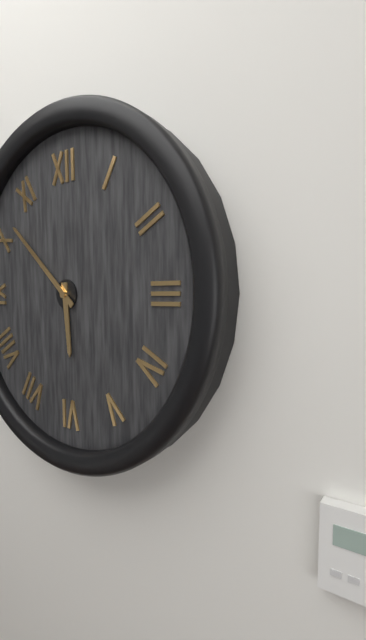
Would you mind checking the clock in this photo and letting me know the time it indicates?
5:52
